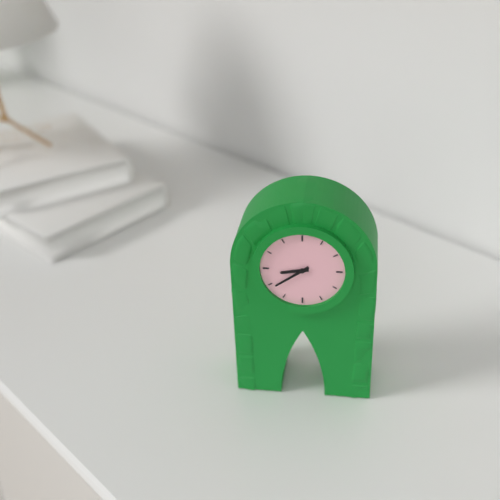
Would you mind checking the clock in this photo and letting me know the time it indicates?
8:39
